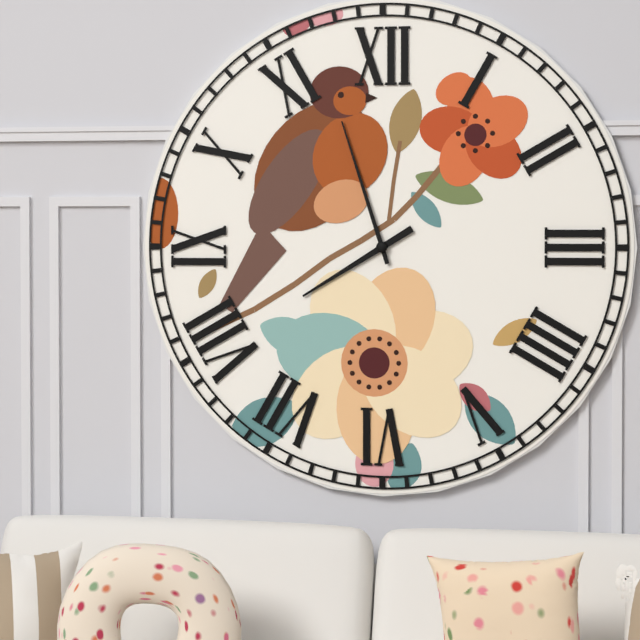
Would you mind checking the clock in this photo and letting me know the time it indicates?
7:57
